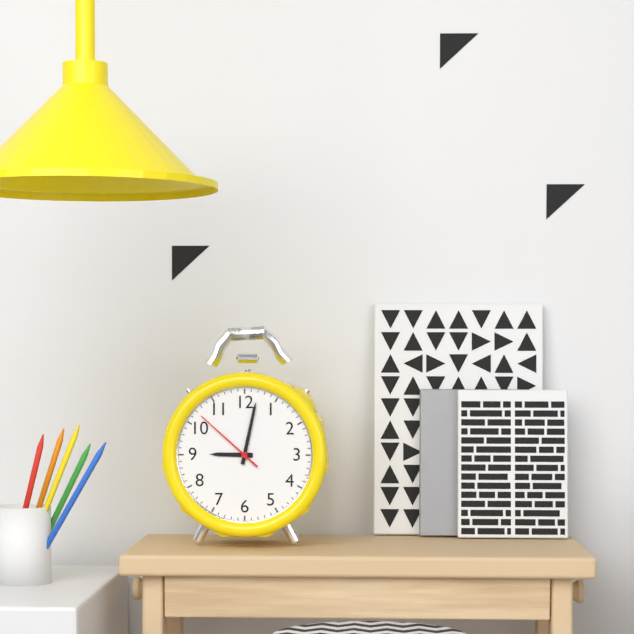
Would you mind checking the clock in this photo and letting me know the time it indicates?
9:02:52
